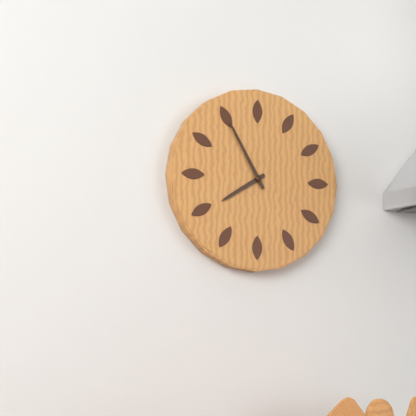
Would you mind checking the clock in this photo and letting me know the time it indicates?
7:55
